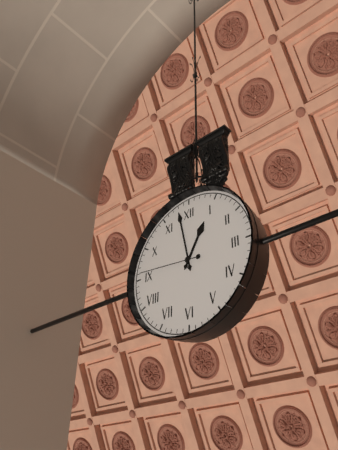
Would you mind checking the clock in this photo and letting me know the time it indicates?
12:58:46
